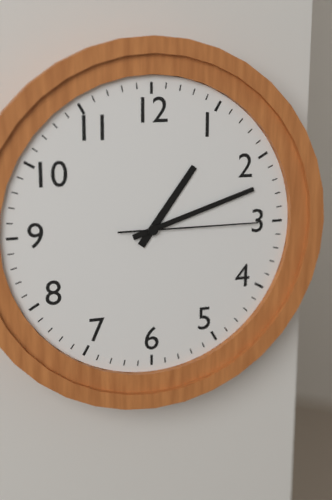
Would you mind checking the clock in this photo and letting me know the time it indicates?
1:12:15
